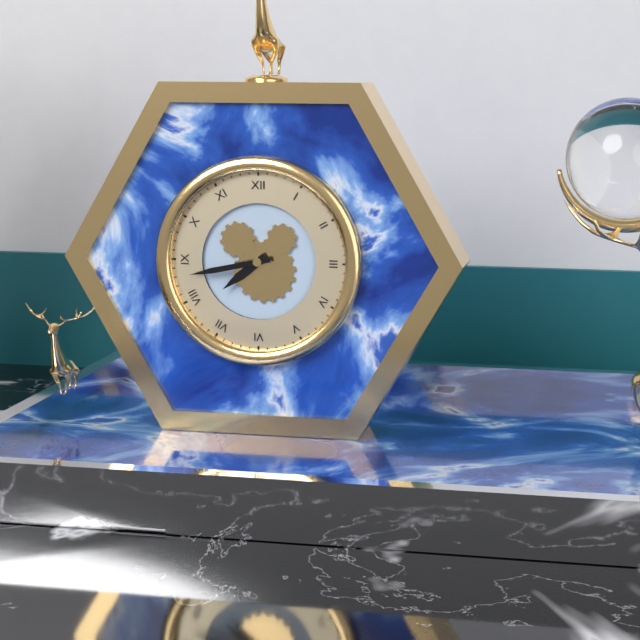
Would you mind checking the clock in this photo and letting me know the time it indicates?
7:43
